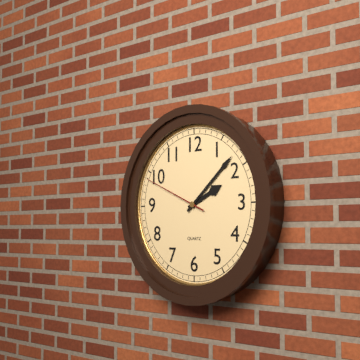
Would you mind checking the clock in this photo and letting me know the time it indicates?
2:08:49
